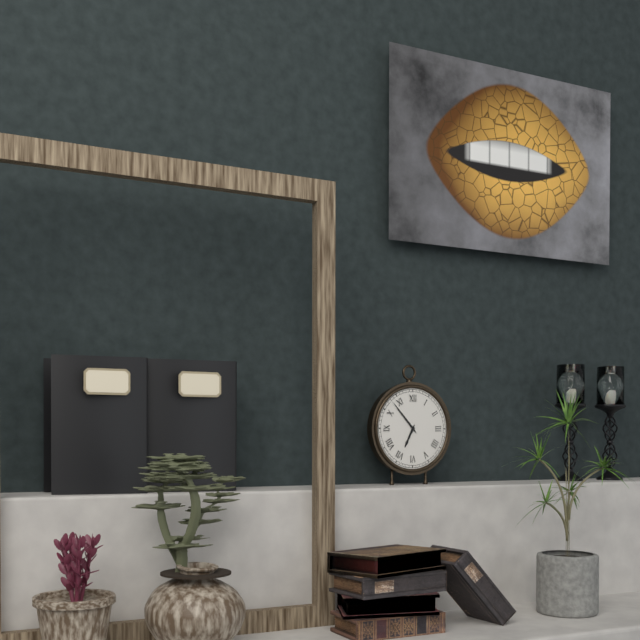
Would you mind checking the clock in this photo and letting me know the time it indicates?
6:53
